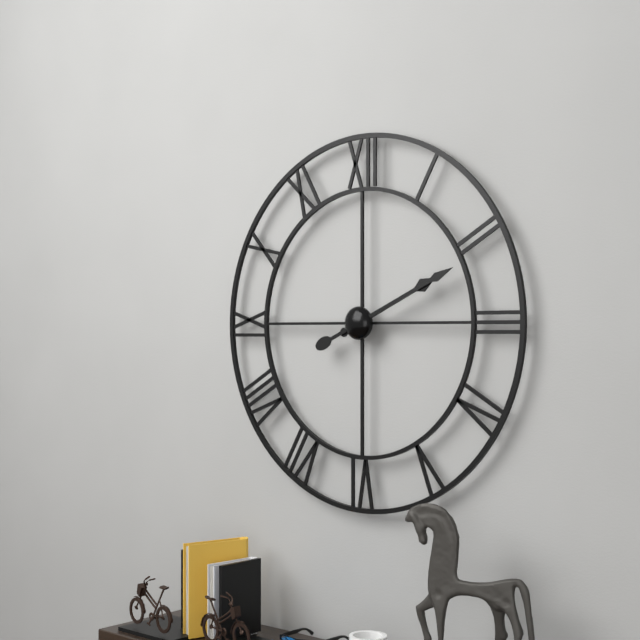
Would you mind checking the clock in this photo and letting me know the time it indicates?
2:11
